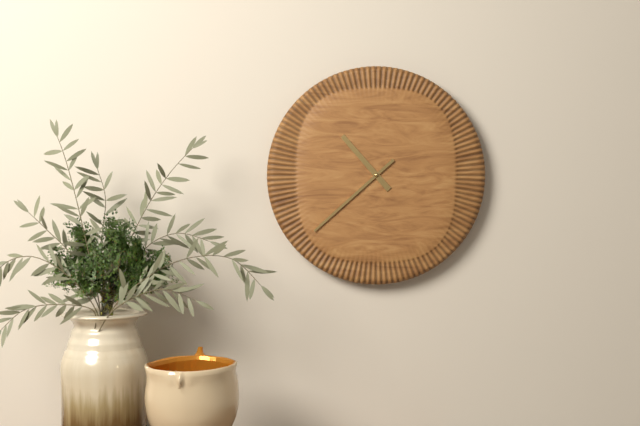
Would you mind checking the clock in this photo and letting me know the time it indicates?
10:38
